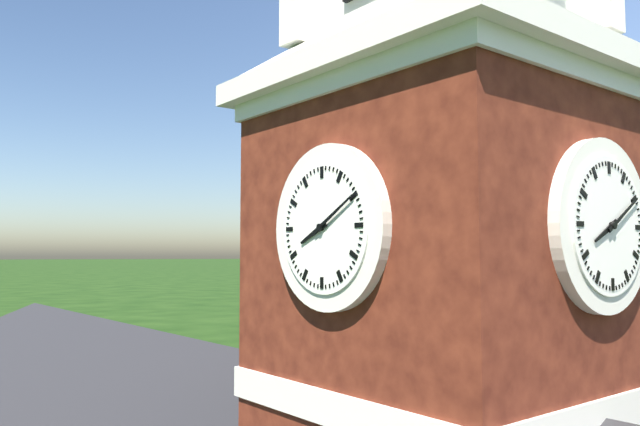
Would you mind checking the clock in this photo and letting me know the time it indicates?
8:10
